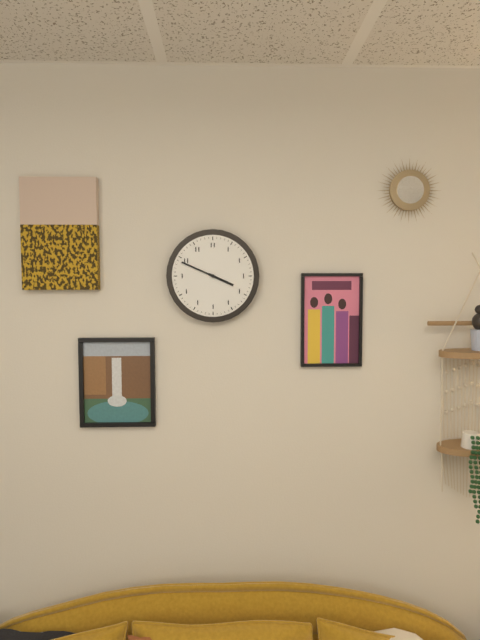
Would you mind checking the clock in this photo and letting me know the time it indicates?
3:49
